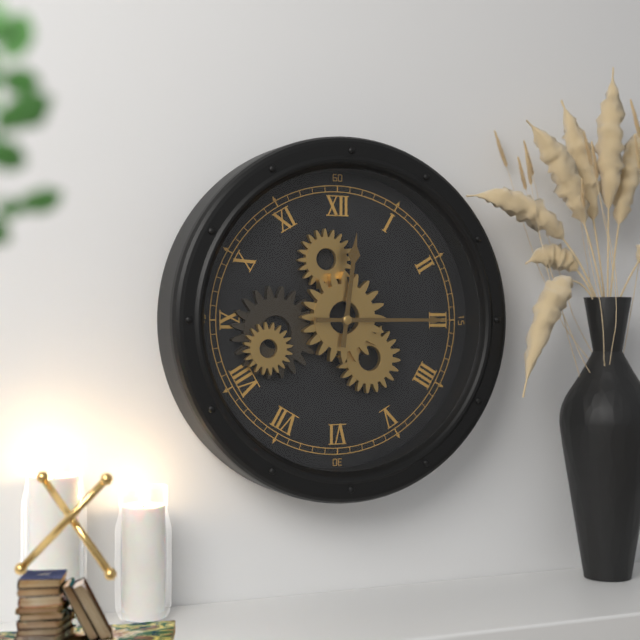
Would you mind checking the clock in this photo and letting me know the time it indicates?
12:15
